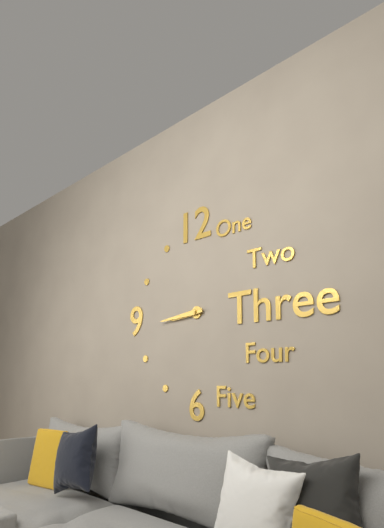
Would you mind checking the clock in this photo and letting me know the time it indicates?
8:44
